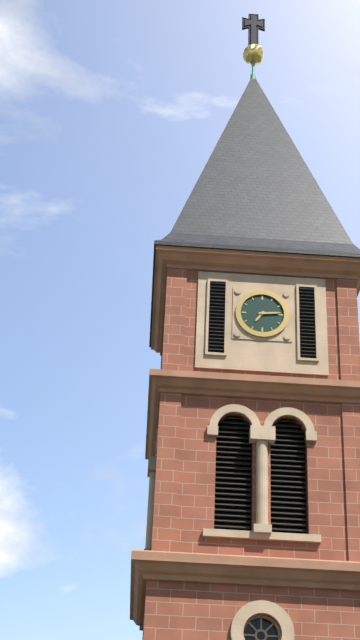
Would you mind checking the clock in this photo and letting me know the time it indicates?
7:14
